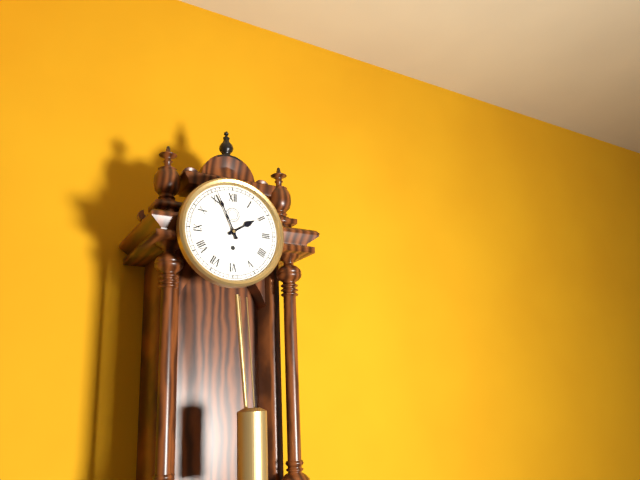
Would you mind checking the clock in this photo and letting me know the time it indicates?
1:56
